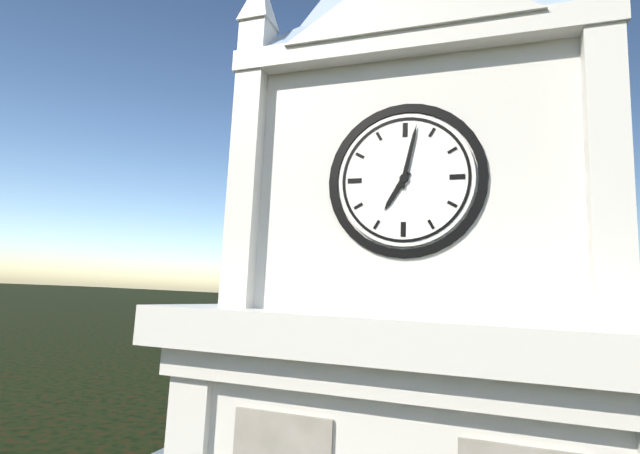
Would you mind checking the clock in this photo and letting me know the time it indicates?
7:02
